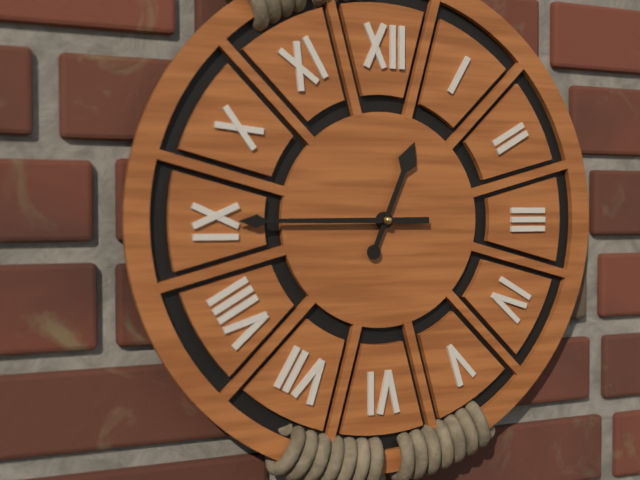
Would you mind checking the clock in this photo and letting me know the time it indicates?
12:45
